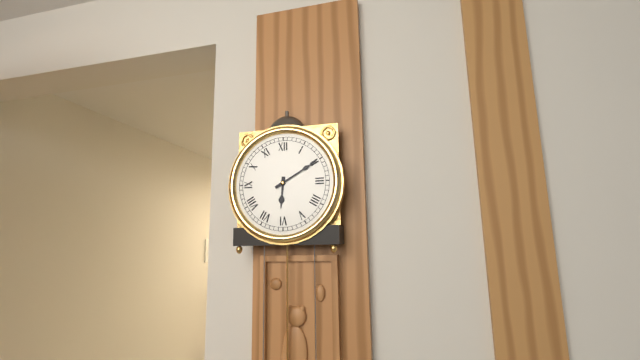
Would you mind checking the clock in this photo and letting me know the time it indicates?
6:10
